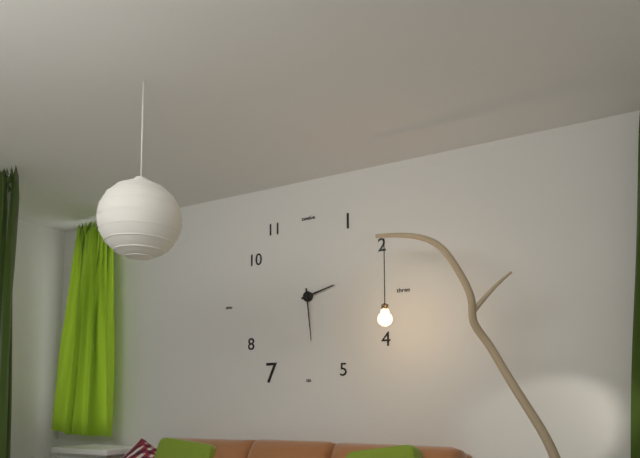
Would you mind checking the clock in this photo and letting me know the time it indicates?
2:29
